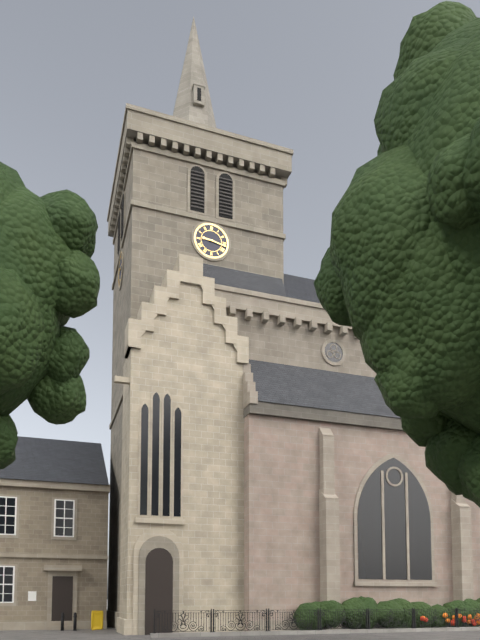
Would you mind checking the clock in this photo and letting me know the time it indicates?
9:17
